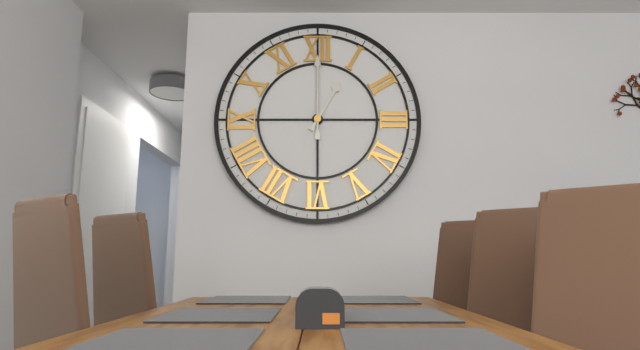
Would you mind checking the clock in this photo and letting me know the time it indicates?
1:00
